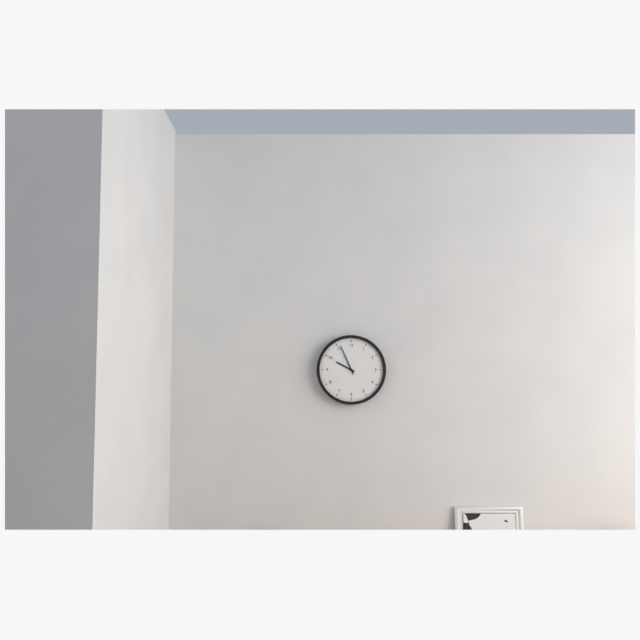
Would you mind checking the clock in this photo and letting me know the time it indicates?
9:56
